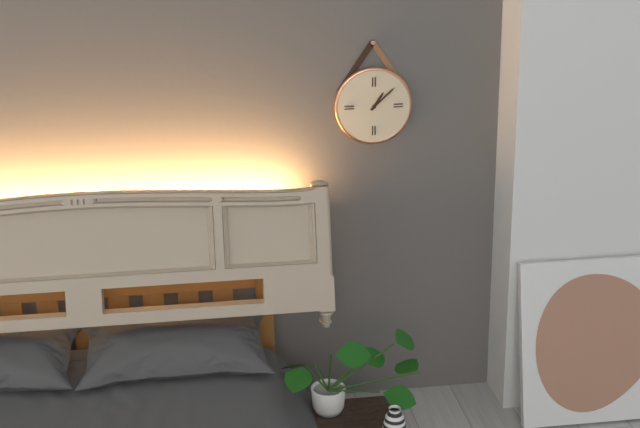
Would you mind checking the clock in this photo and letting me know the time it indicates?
1:08
